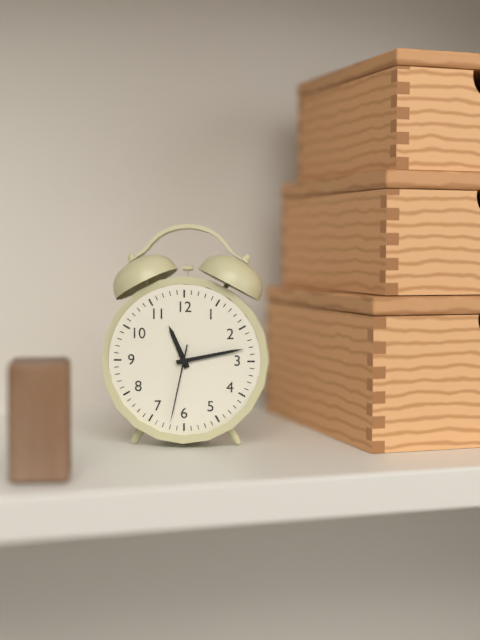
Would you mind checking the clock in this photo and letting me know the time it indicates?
11:13:32
